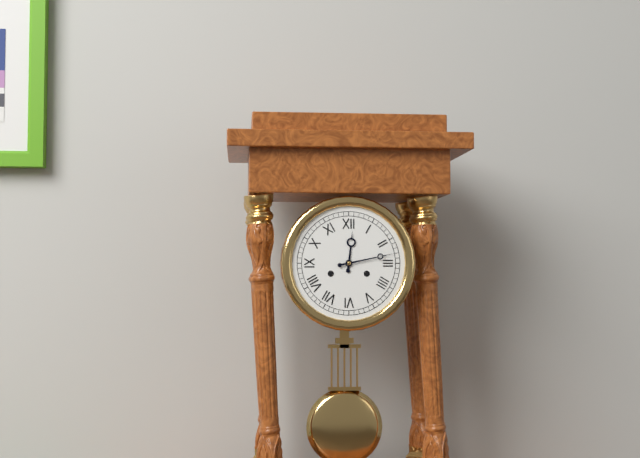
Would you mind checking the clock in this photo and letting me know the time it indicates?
12:13
